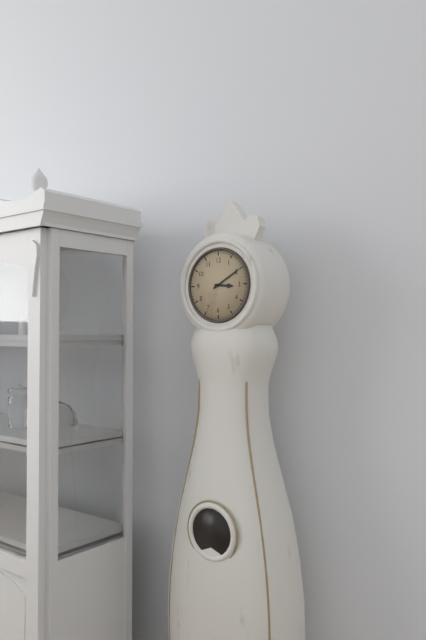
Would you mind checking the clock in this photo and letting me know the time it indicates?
3:10
